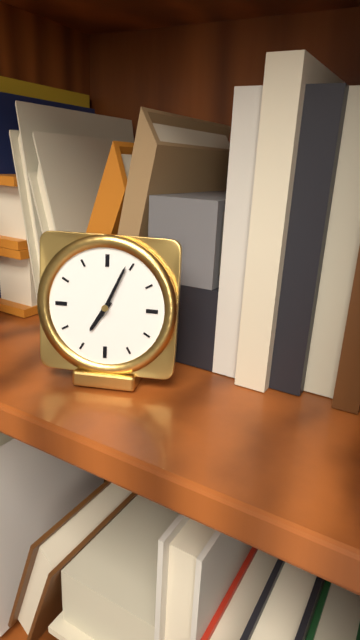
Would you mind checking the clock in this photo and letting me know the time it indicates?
7:04
